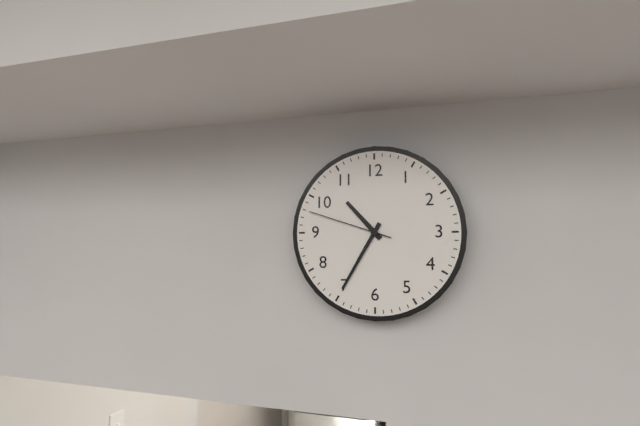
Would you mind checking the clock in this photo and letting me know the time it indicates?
10:35:48
